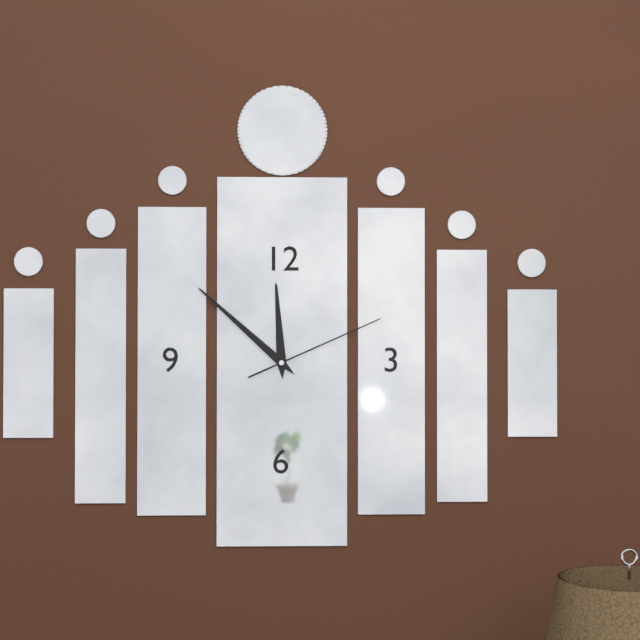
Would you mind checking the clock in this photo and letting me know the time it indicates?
11:52:11
